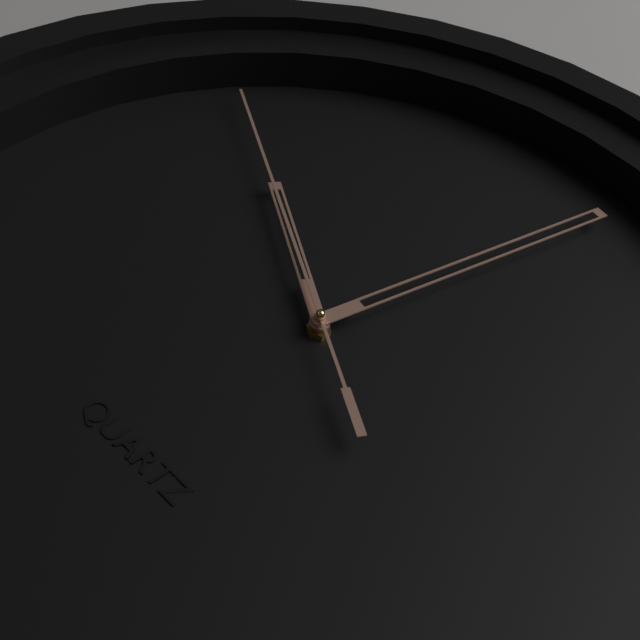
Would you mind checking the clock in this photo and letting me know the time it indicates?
10:02:50
